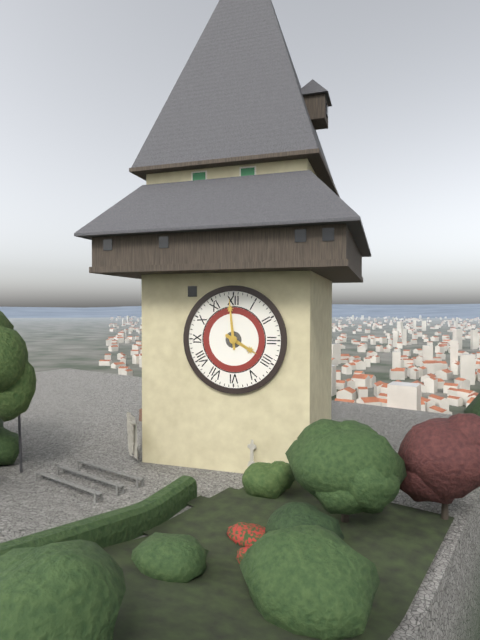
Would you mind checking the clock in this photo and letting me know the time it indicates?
3:59
